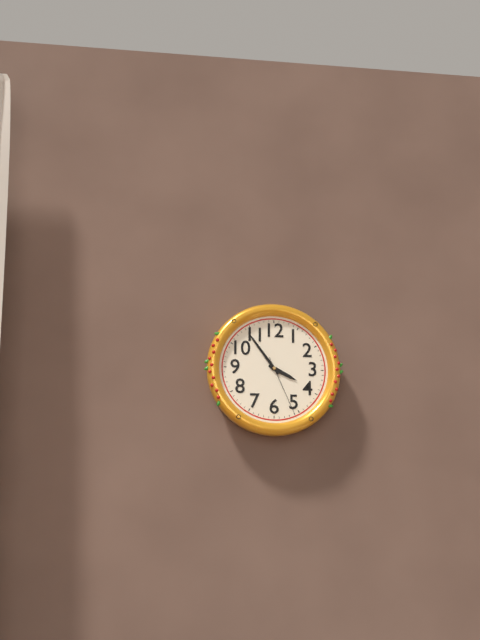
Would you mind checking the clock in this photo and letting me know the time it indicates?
3:54:26
